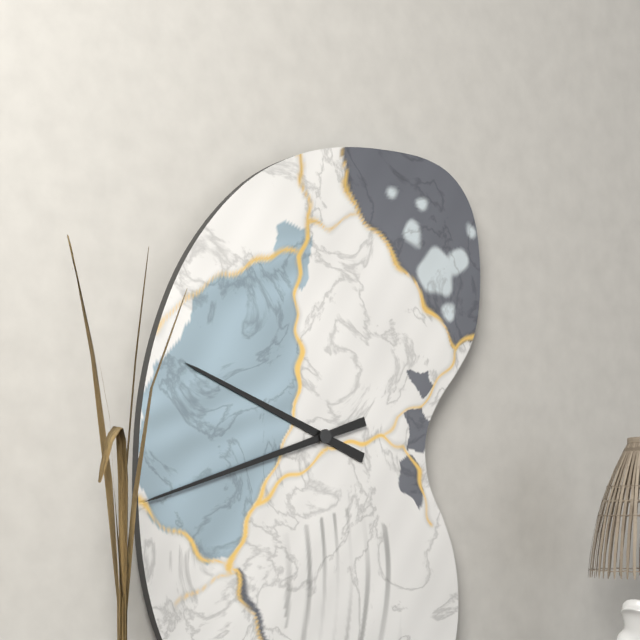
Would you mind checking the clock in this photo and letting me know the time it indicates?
9:42
